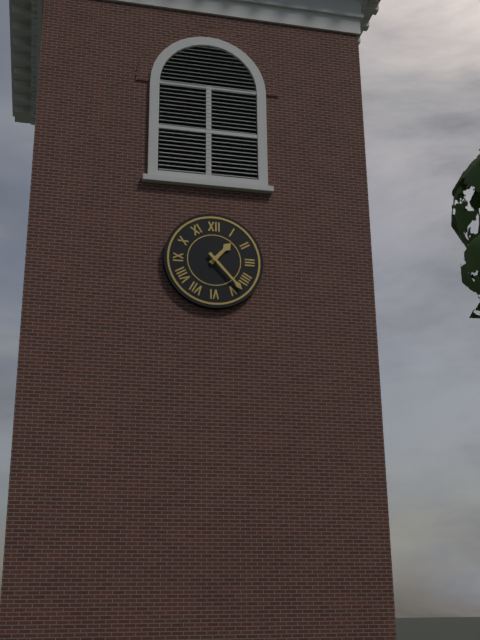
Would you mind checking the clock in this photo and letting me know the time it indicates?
1:23
